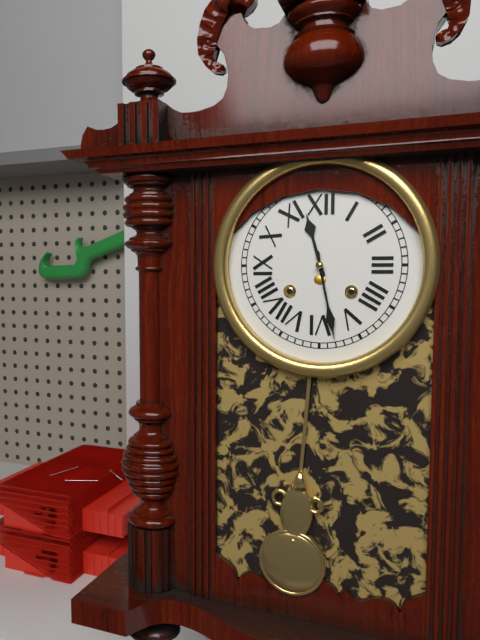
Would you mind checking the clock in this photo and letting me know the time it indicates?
11:28
